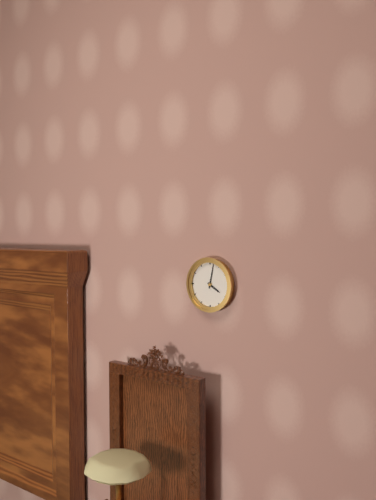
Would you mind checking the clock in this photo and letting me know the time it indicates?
4:02
